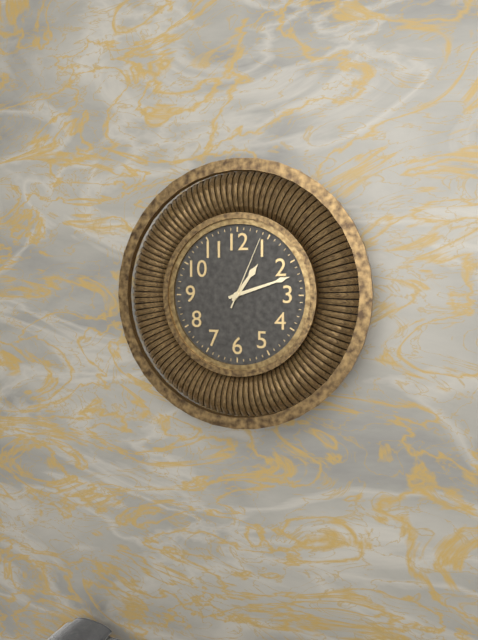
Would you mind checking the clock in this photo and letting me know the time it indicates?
1:12:04
